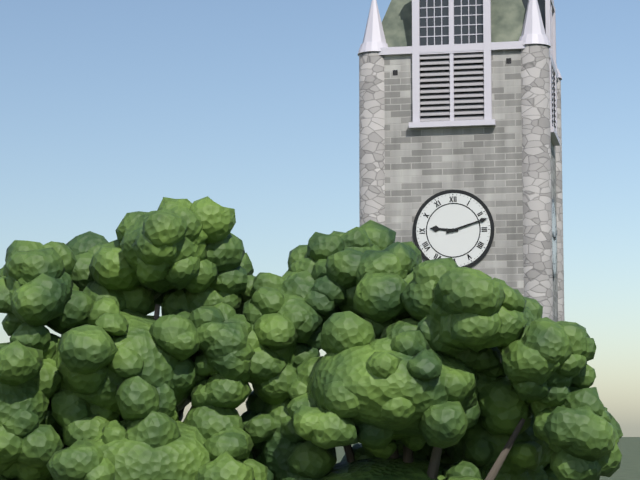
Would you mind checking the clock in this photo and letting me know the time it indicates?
9:12
